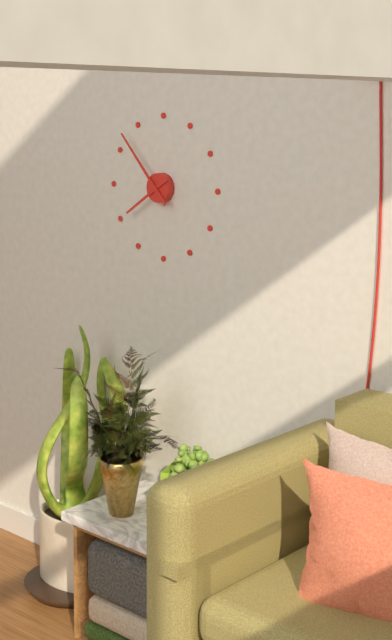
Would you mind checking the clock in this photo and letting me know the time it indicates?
7:53
